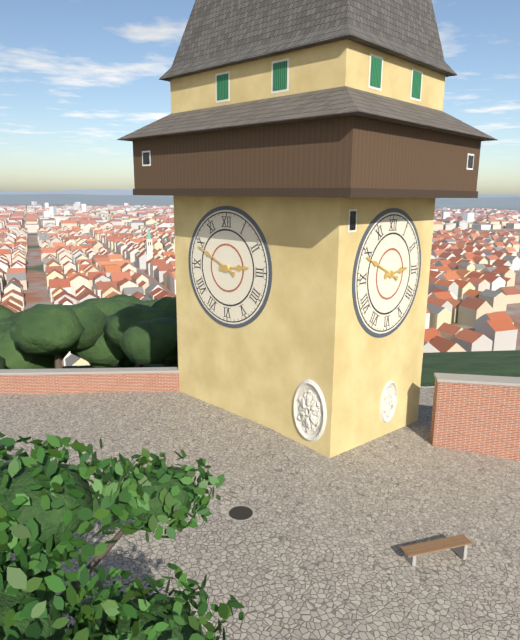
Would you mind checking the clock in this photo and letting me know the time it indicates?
2:49
